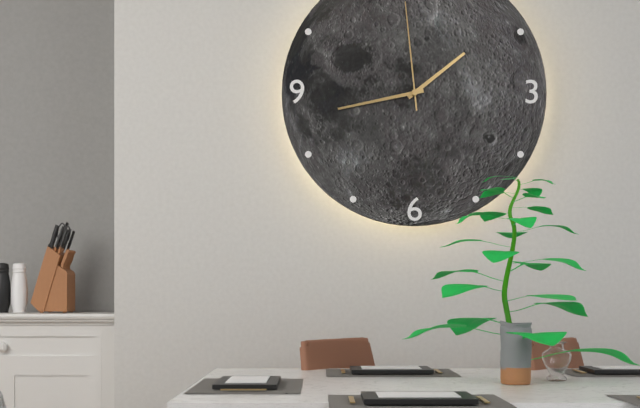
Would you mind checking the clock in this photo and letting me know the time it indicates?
1:43:59
